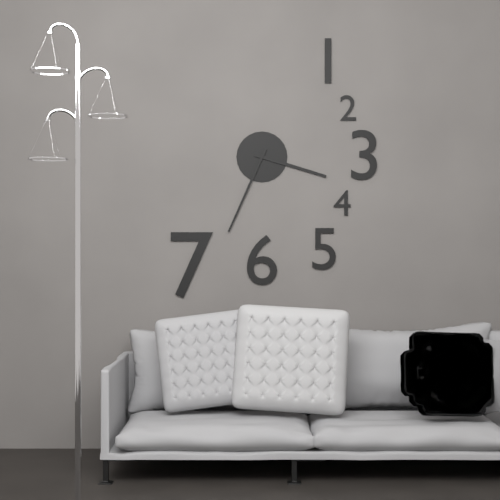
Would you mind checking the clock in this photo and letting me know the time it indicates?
3:34
